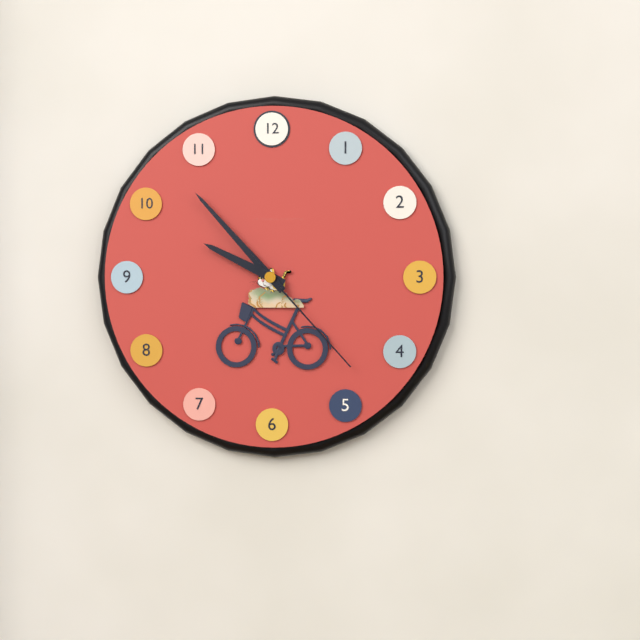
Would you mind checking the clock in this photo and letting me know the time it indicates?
9:53:23
